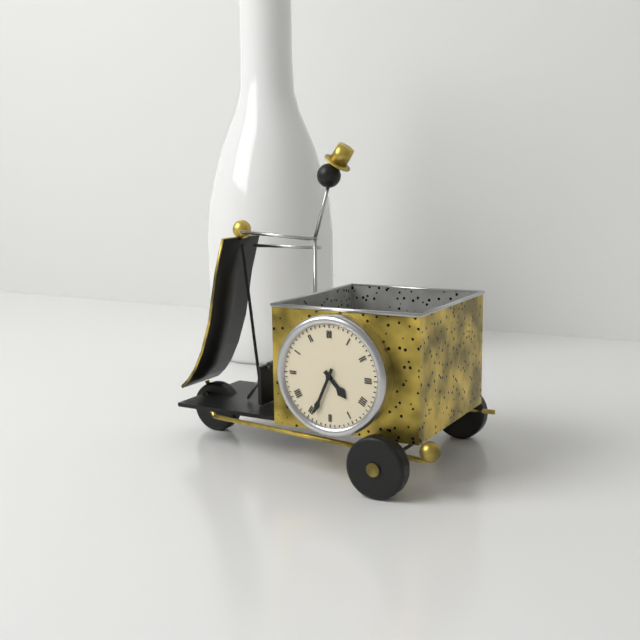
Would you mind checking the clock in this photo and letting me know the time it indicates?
4:34
